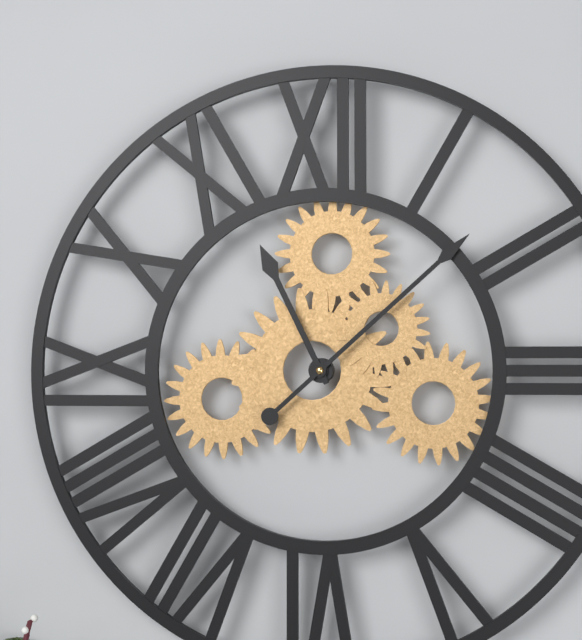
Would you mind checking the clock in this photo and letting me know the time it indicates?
11:08
